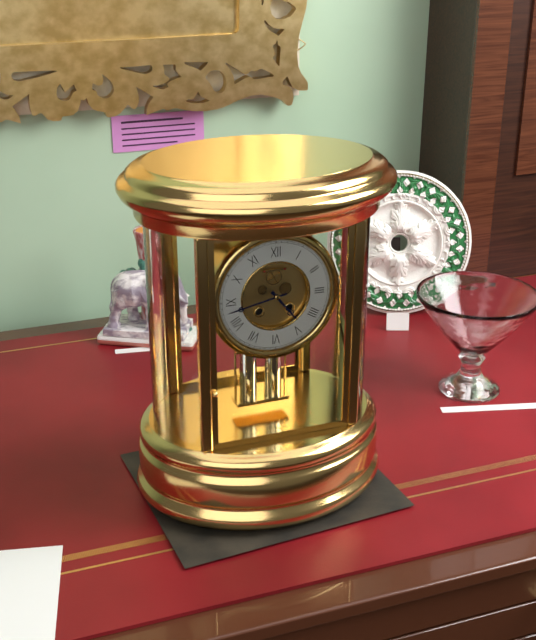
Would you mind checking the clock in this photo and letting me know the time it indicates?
4:43
